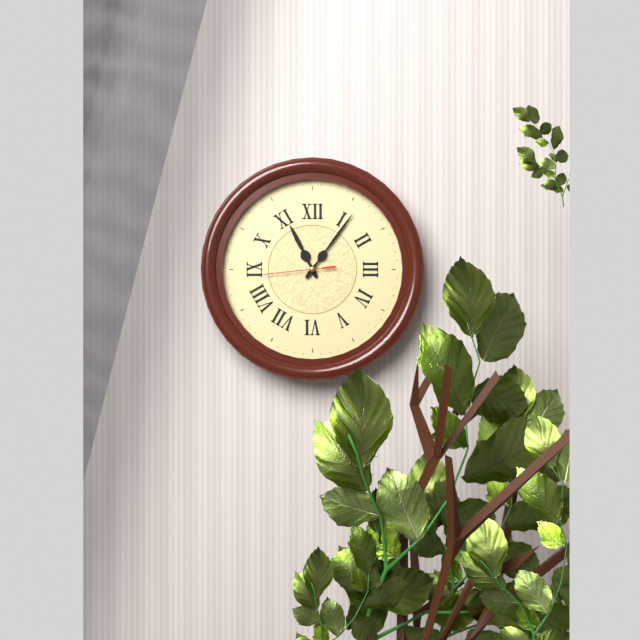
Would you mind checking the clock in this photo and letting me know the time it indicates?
11:06:44
